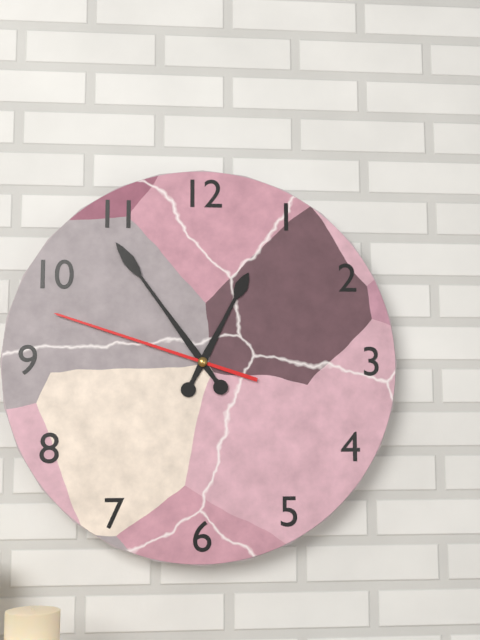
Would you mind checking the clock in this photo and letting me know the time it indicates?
12:54:48
